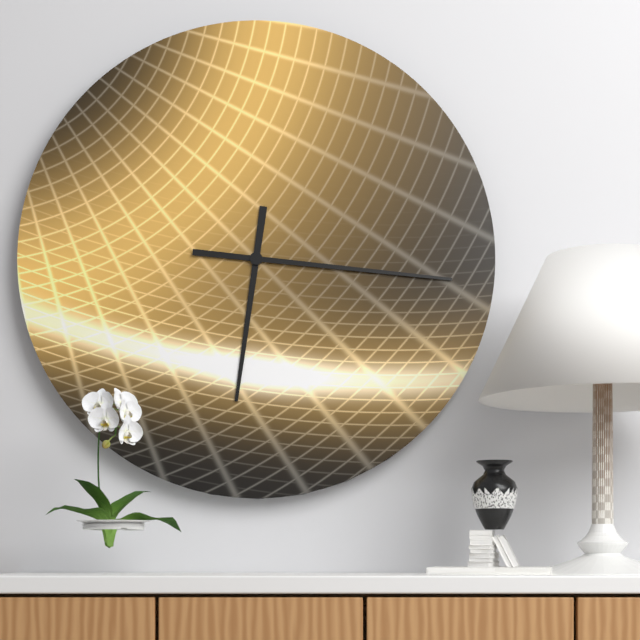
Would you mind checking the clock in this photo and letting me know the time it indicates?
6:16
